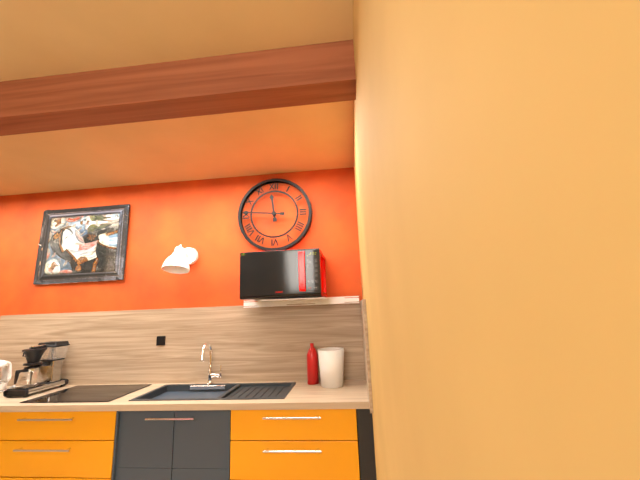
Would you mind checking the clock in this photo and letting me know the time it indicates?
11:46
